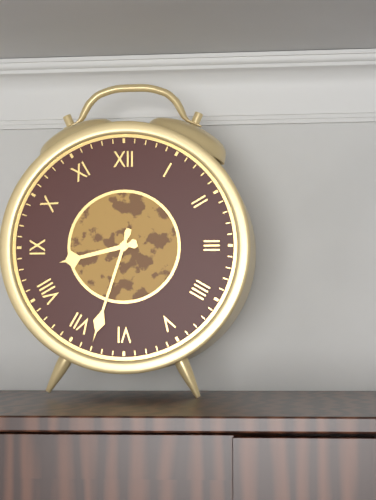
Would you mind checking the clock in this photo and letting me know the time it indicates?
8:33
